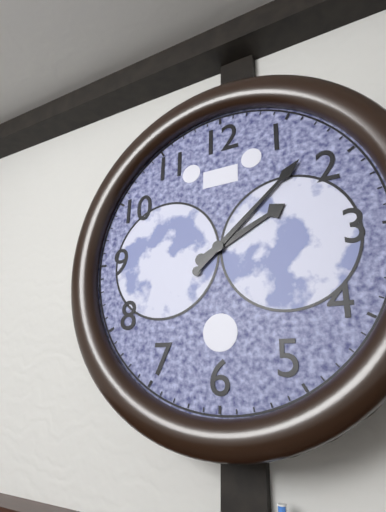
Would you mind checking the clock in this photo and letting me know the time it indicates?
2:08
